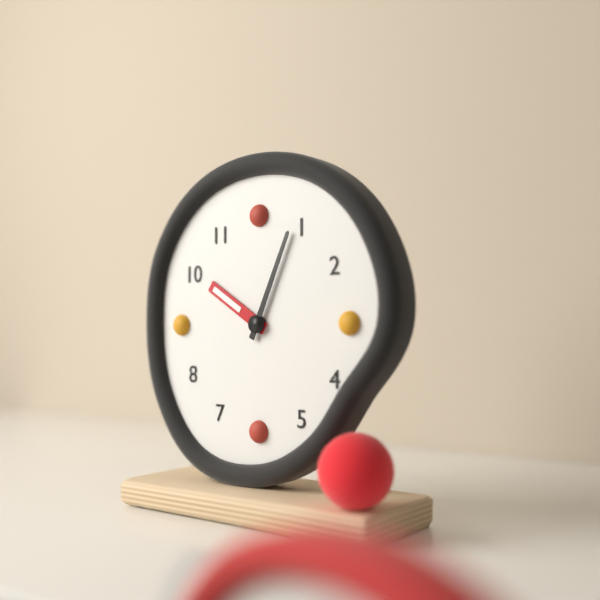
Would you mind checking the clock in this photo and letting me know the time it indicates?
10:04
